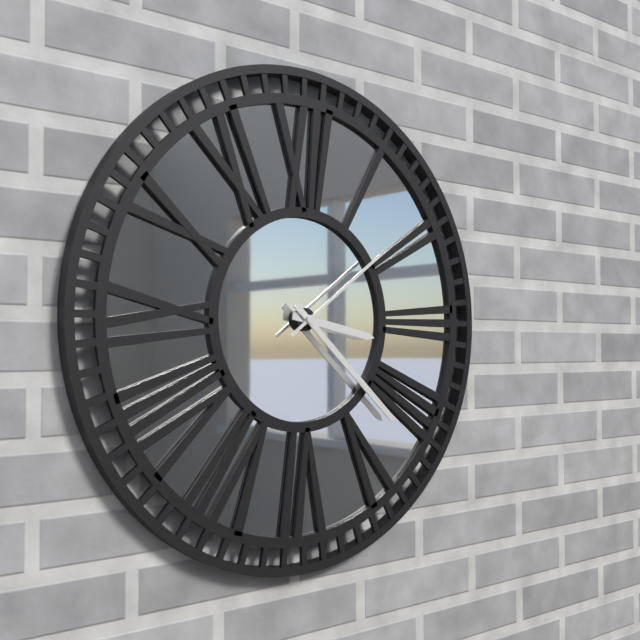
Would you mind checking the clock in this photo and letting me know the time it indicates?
3:22:09
